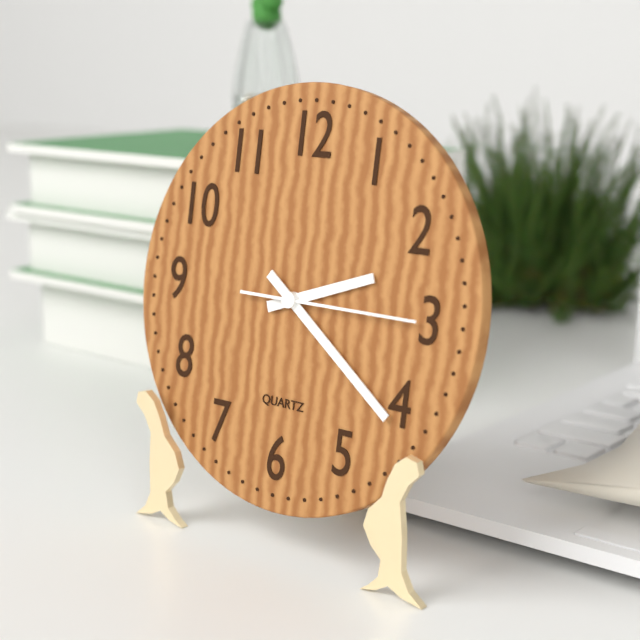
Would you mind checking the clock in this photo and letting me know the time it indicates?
2:21:15
